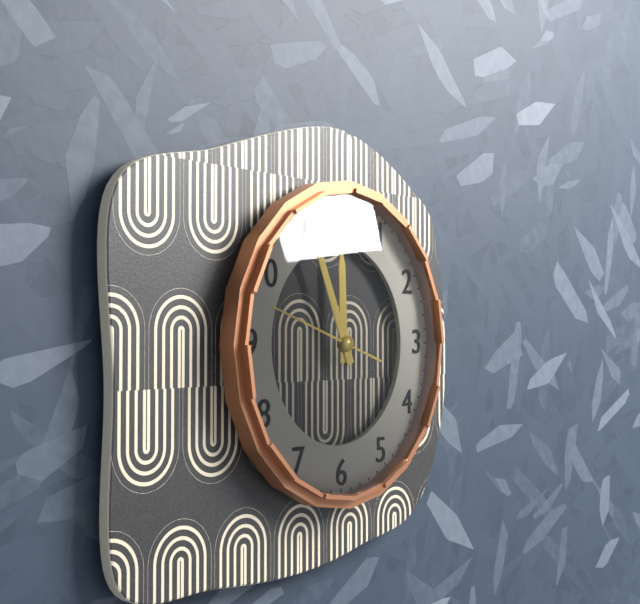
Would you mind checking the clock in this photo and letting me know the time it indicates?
11:56:48
